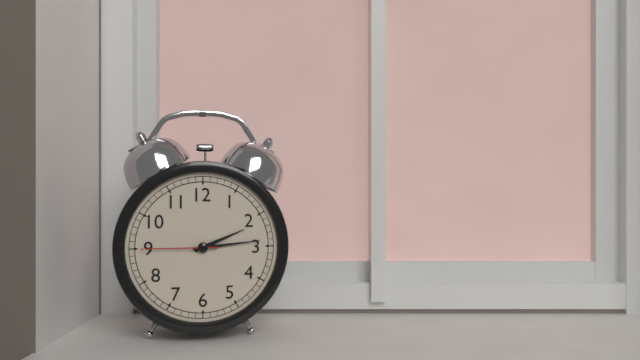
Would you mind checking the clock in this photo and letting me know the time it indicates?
2:14:45
